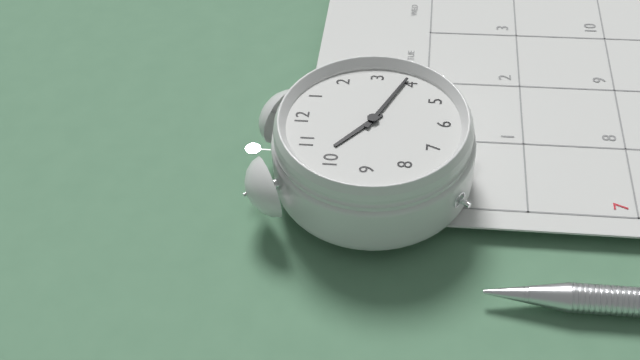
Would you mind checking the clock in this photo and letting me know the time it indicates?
10:19
